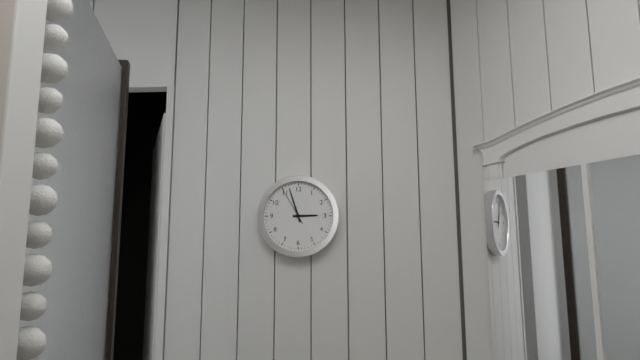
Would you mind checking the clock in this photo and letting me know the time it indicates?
2:57
